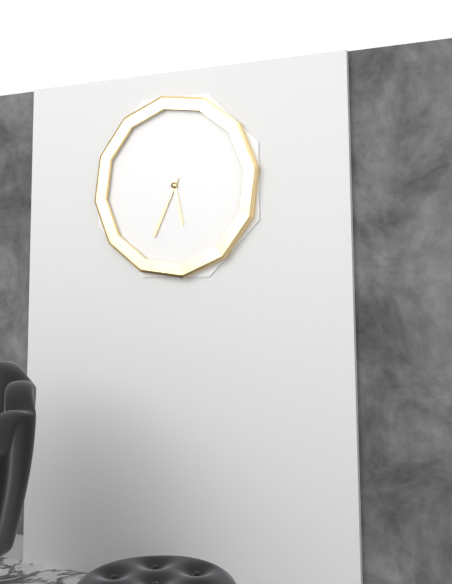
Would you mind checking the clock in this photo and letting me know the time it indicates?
5:34
